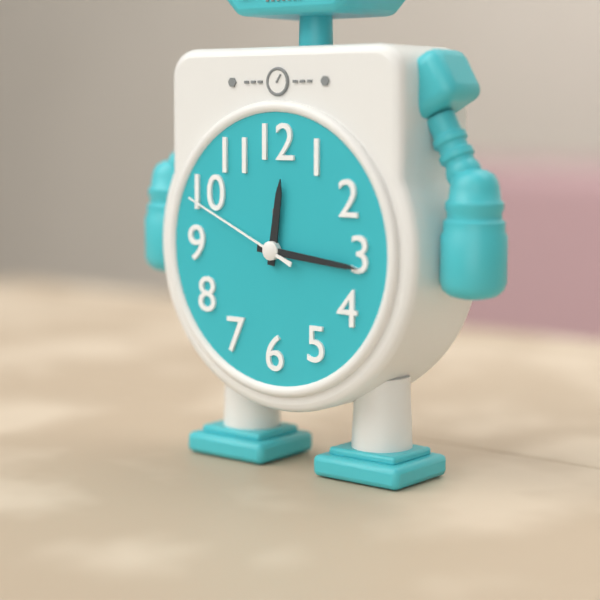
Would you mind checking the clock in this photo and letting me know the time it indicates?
12:16:49
